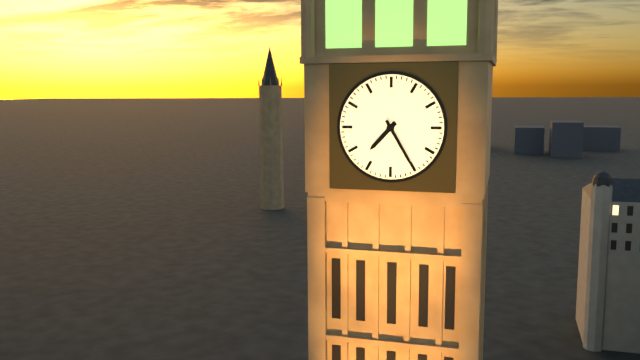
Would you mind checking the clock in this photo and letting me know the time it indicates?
7:25
